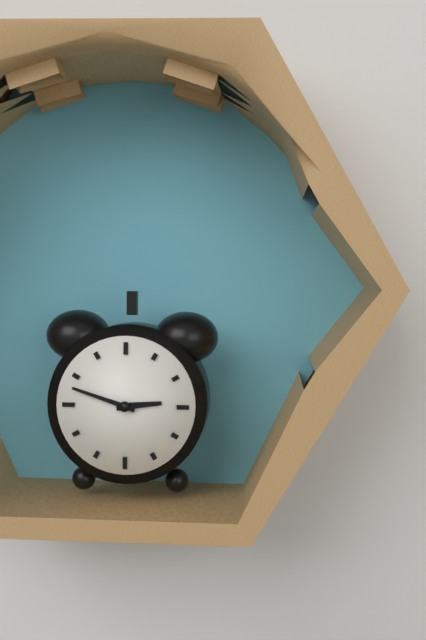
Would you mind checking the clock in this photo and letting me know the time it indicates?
2:48
